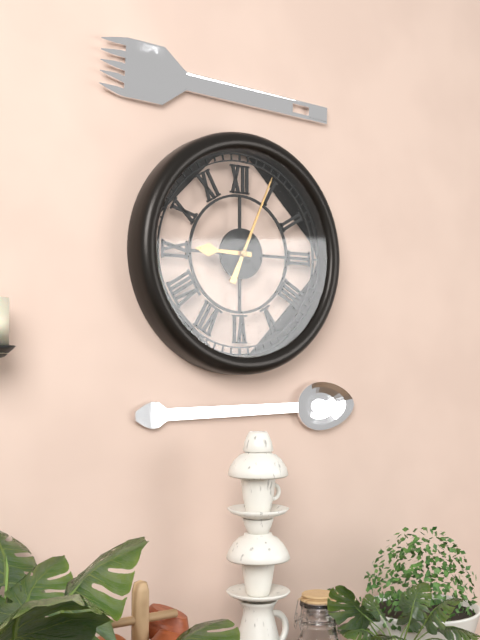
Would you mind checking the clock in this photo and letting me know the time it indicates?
9:04
